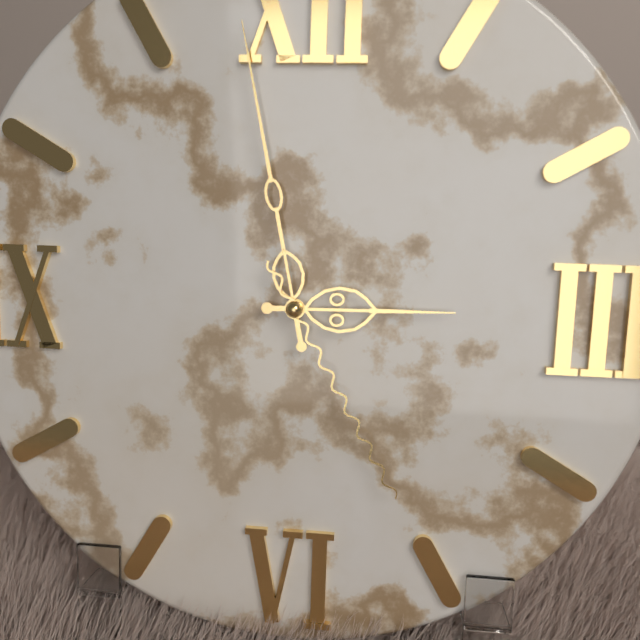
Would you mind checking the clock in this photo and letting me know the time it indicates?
2:58:25
